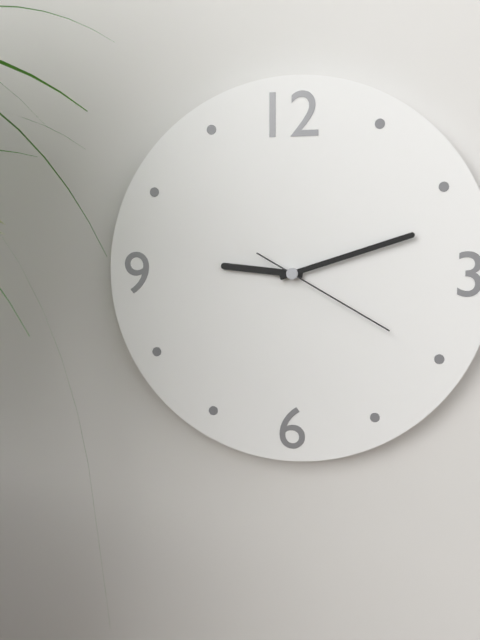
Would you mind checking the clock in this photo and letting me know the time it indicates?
9:12:20
